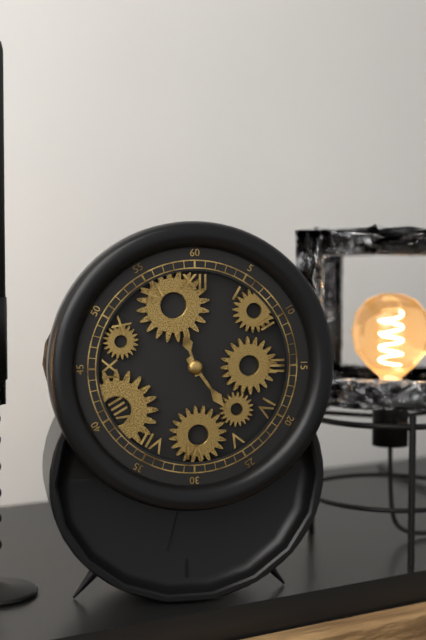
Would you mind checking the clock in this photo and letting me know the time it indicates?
11:24
